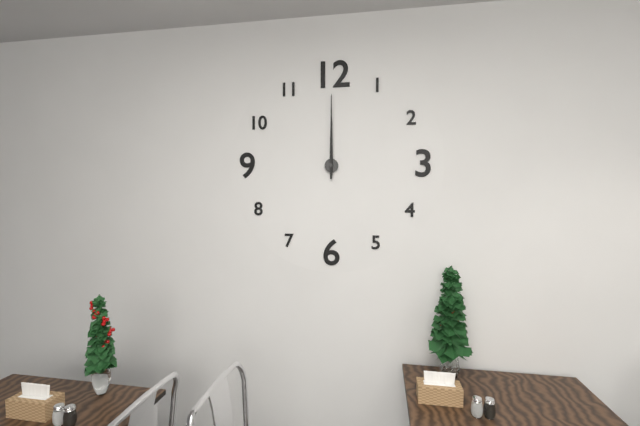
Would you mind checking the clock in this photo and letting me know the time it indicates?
12:00
